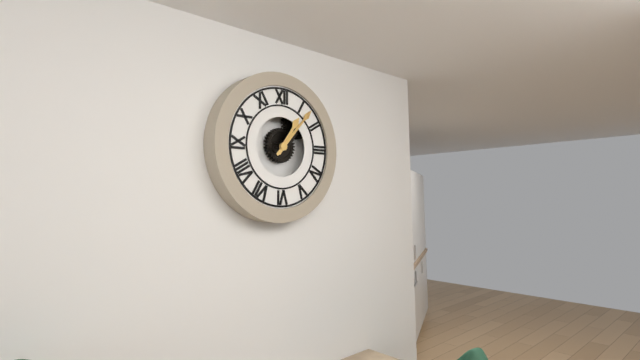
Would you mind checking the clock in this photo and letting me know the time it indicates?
1:07
